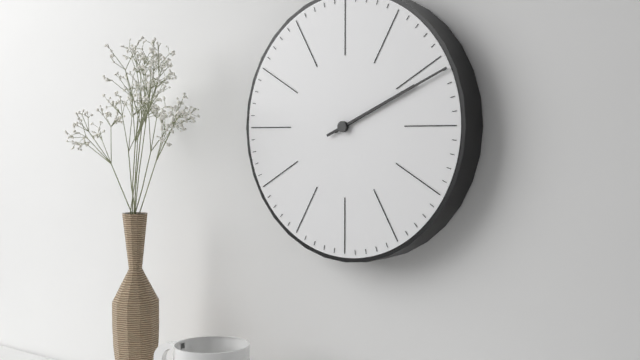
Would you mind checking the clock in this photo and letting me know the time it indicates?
2:11
